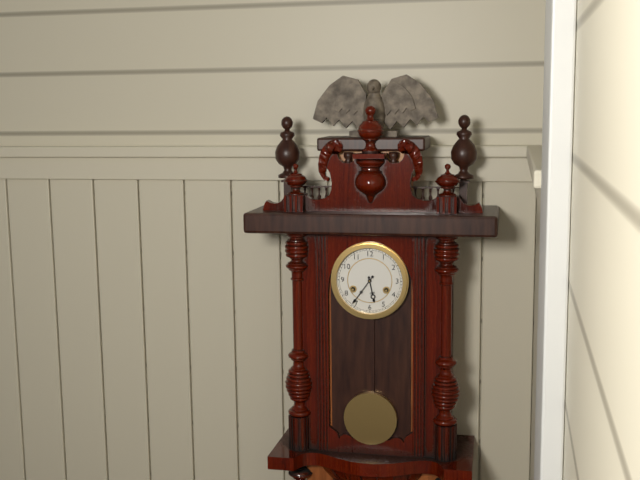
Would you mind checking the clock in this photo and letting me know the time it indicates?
5:36
